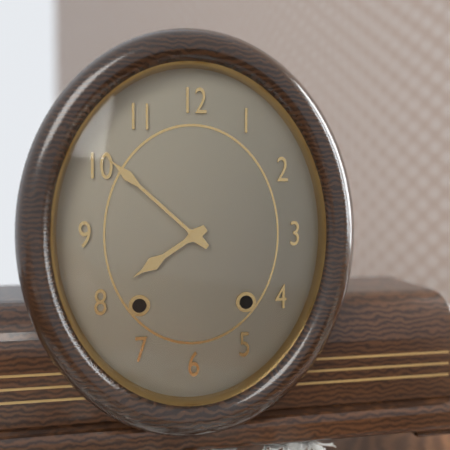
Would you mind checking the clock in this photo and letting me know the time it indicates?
7:52
